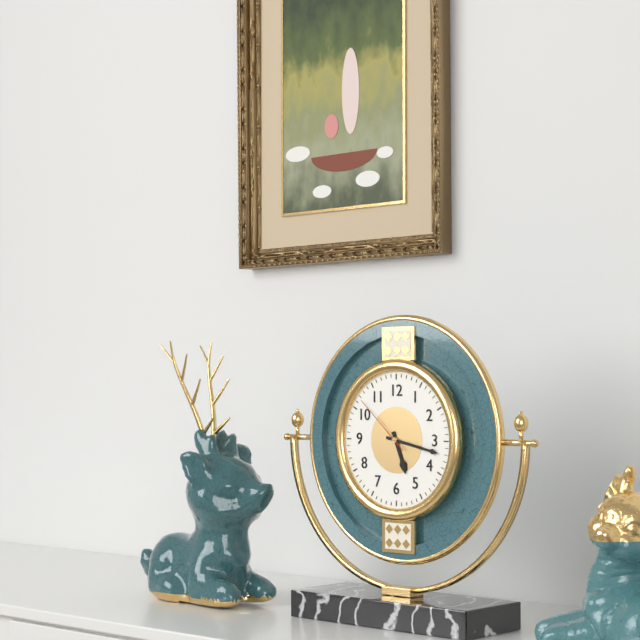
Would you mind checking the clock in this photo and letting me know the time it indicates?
5:17:52
